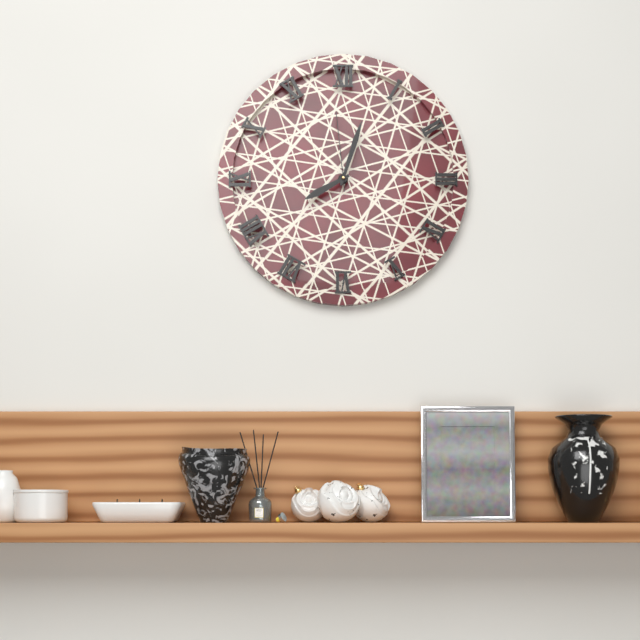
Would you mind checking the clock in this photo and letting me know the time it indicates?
8:03:59
